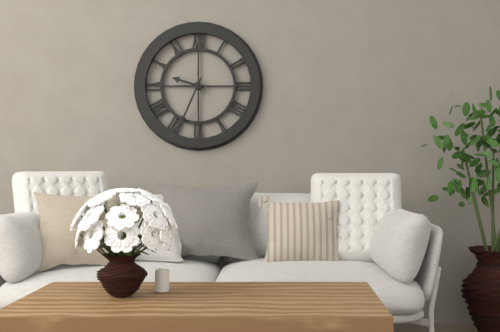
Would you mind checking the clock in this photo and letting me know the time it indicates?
9:34
